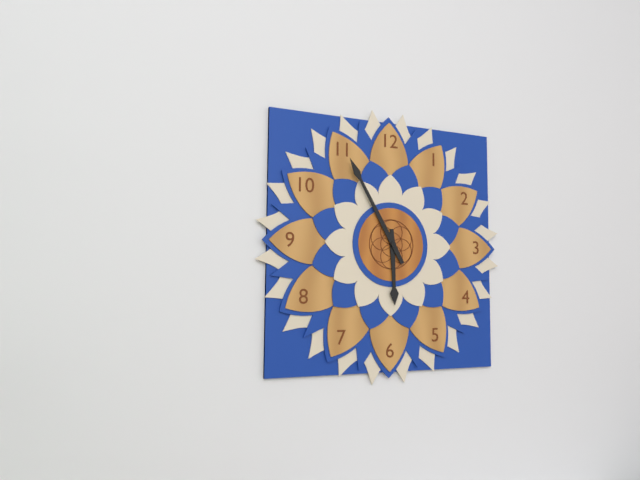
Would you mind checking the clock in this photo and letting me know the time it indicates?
5:55
